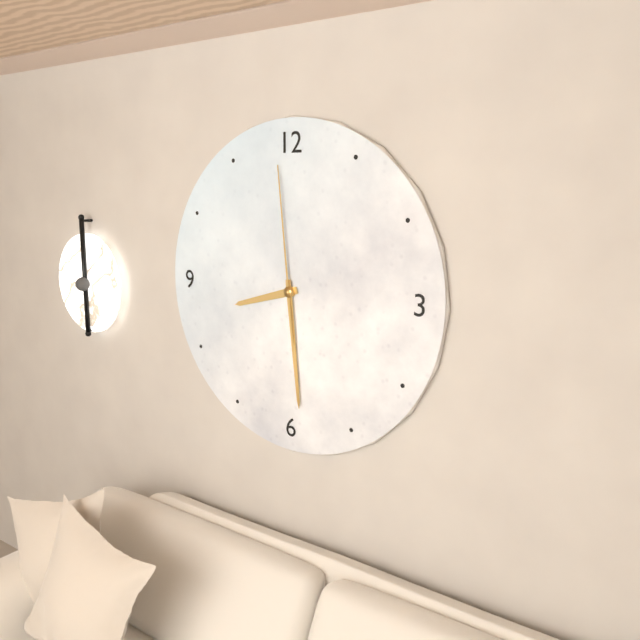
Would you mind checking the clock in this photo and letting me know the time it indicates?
8:29:59
